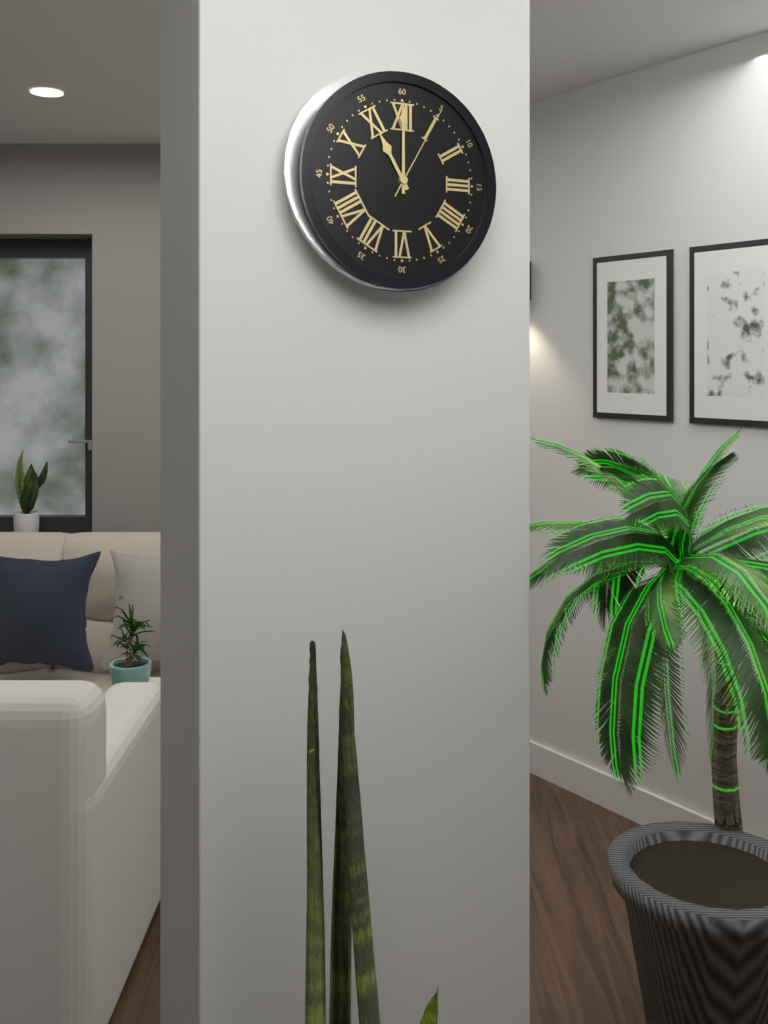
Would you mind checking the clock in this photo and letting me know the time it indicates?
11:00:05
